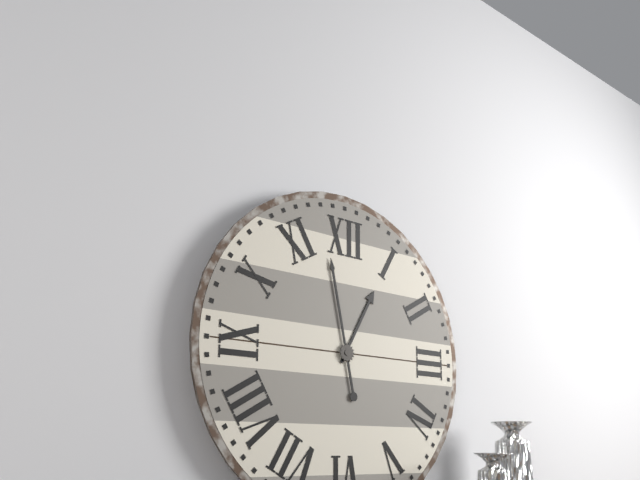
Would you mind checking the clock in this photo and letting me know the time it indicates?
12:58
